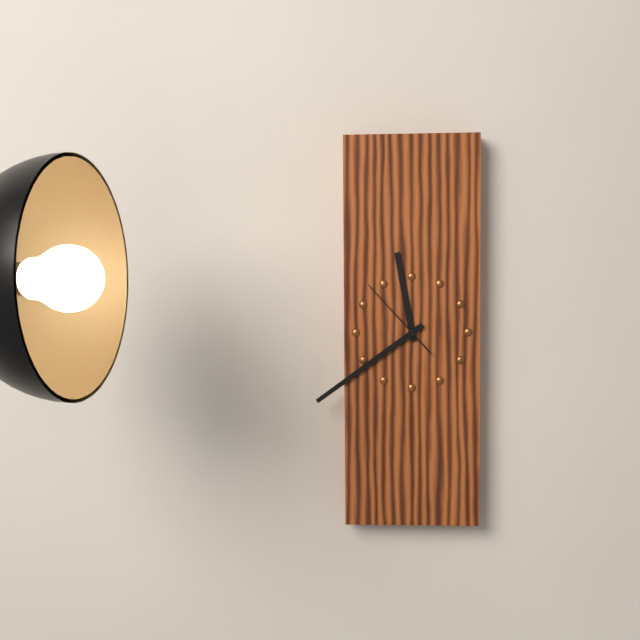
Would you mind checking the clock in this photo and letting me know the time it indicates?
11:39:53
